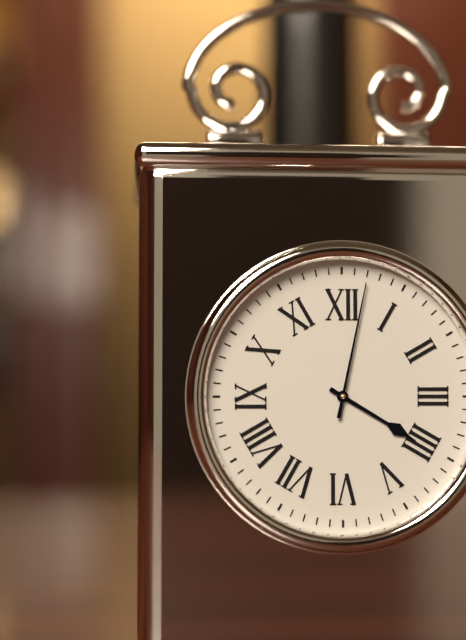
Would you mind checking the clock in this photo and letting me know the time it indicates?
4:02
